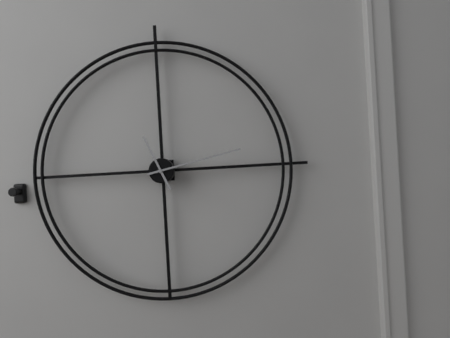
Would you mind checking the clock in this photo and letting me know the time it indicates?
11:13
